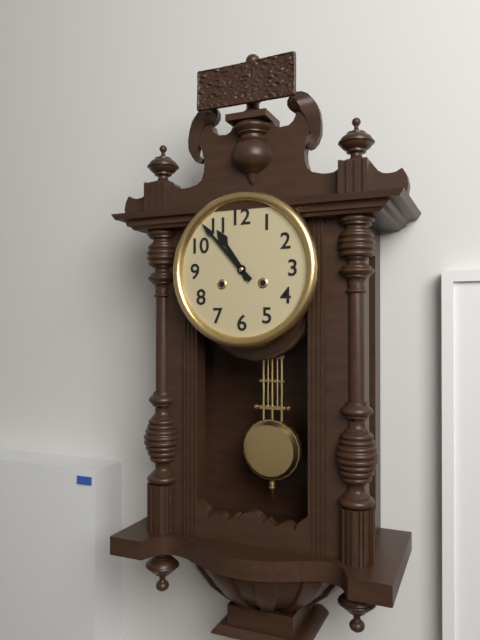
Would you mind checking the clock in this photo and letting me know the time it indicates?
10:53
